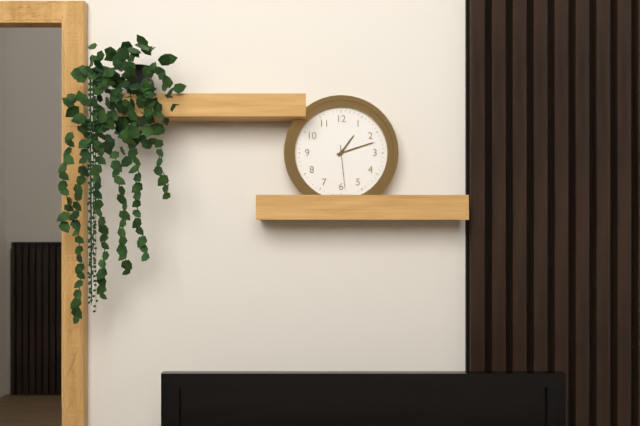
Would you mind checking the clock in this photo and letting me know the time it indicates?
1:12
